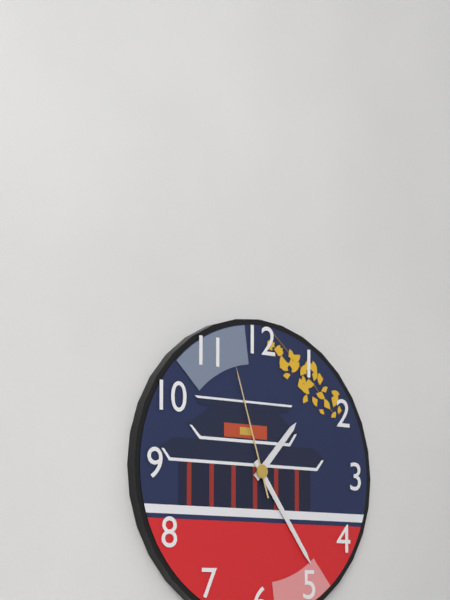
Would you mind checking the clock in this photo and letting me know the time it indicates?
1:24:57
